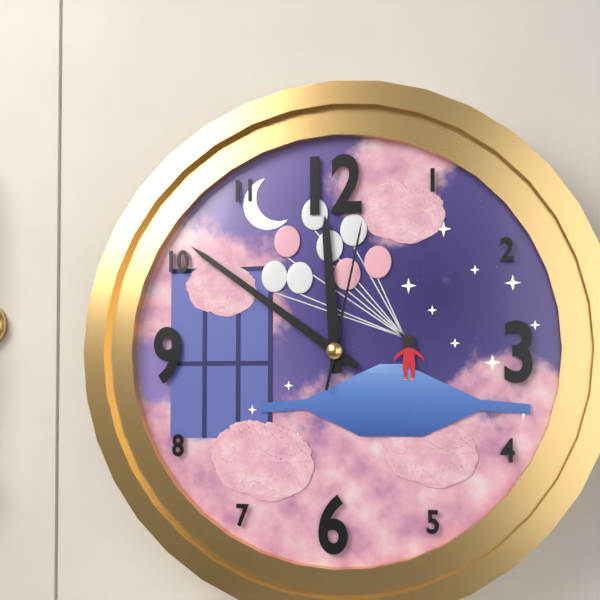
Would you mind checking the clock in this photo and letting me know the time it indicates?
11:51:02
